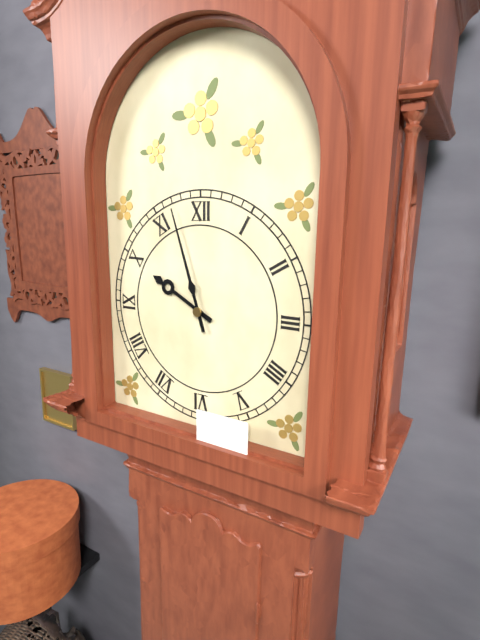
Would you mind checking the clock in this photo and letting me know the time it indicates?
9:57
